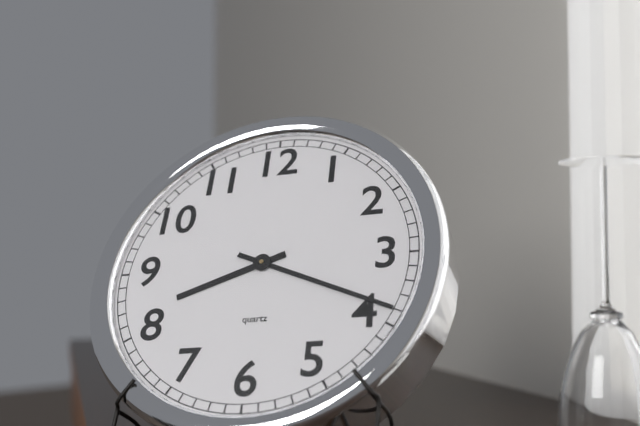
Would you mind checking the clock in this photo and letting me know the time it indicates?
8:19
